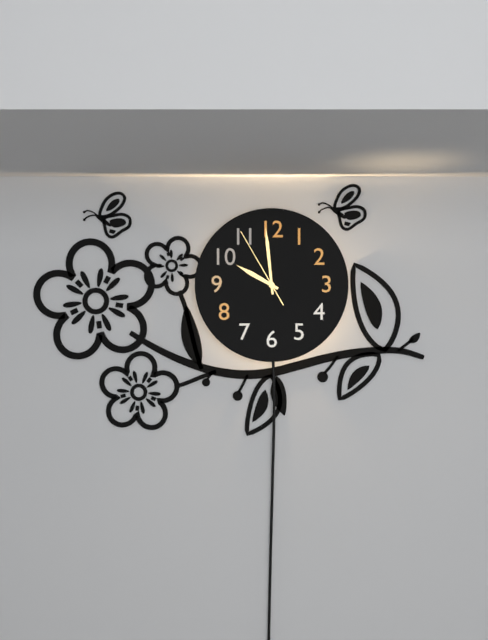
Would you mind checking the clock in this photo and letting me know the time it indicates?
9:59:55
